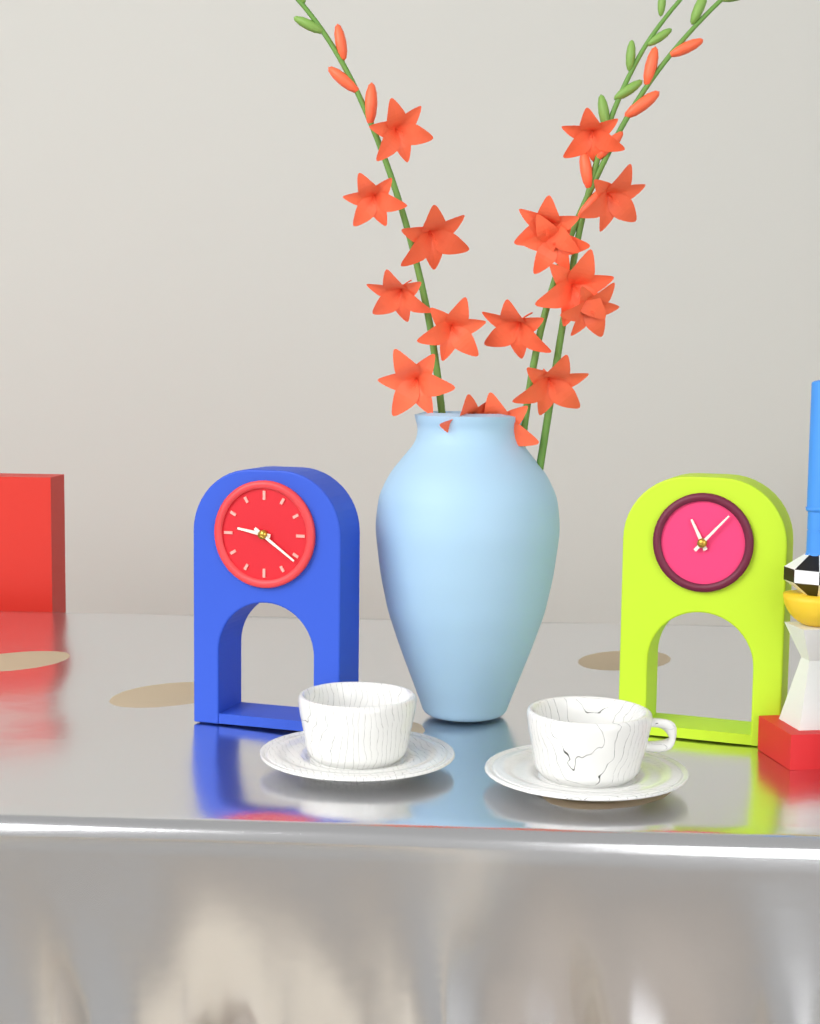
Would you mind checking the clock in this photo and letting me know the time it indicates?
9:21
